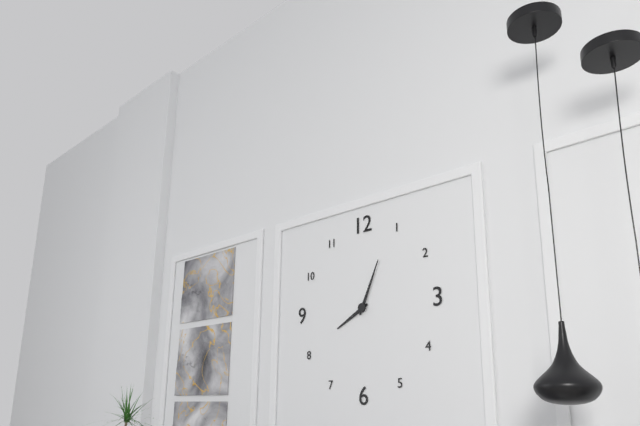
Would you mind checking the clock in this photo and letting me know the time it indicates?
8:04
